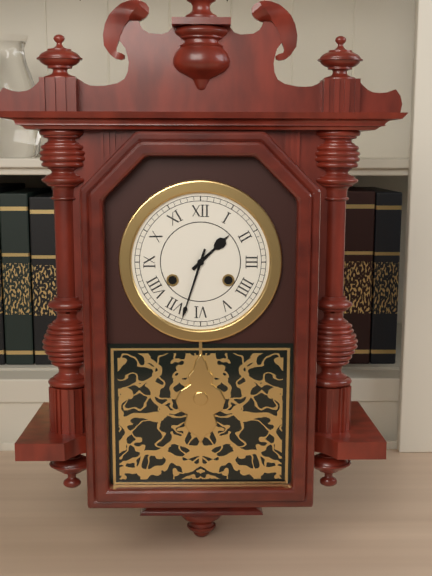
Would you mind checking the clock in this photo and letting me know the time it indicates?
1:33
